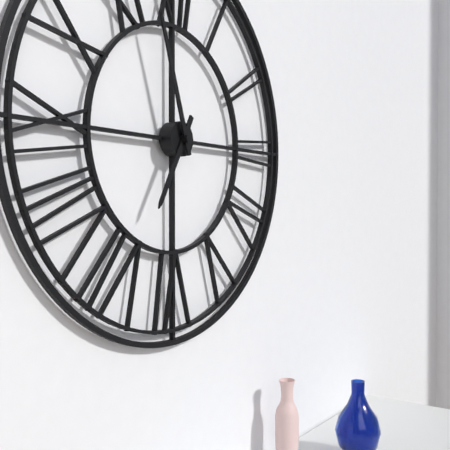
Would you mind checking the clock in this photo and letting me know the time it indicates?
6:57
